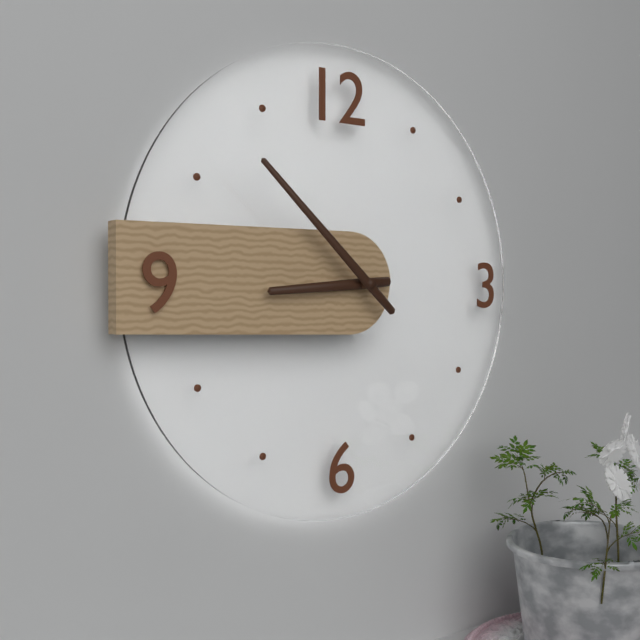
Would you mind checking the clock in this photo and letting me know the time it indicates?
8:52
